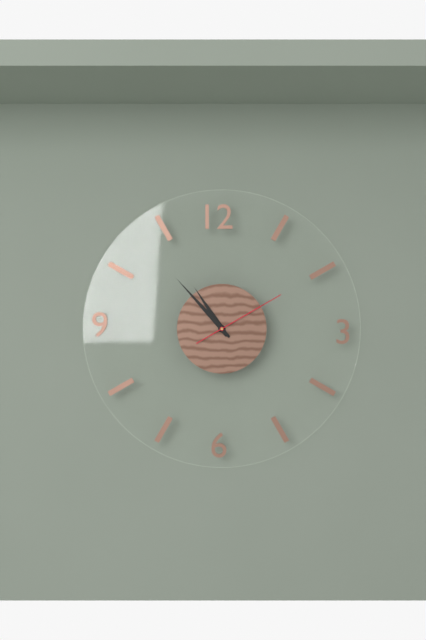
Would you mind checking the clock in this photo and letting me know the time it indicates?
10:53:10
